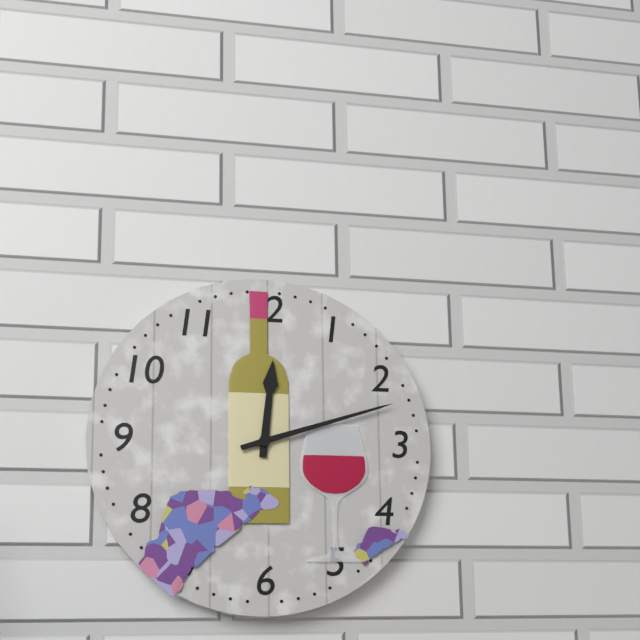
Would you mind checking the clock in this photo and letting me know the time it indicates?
12:12
